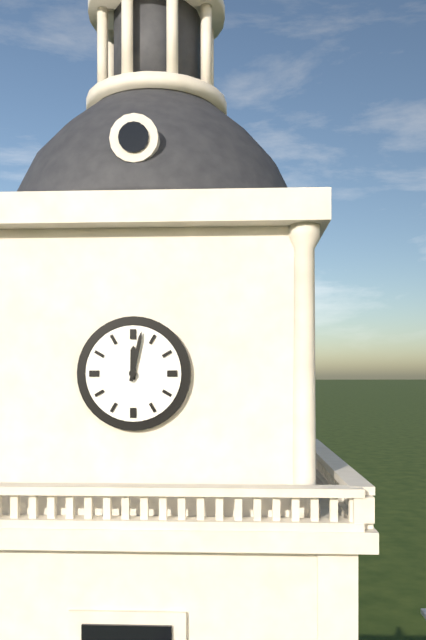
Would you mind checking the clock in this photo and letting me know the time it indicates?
12:02
